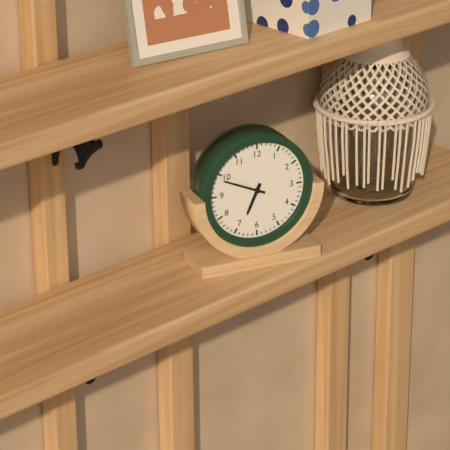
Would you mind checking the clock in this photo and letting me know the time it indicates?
6:49
